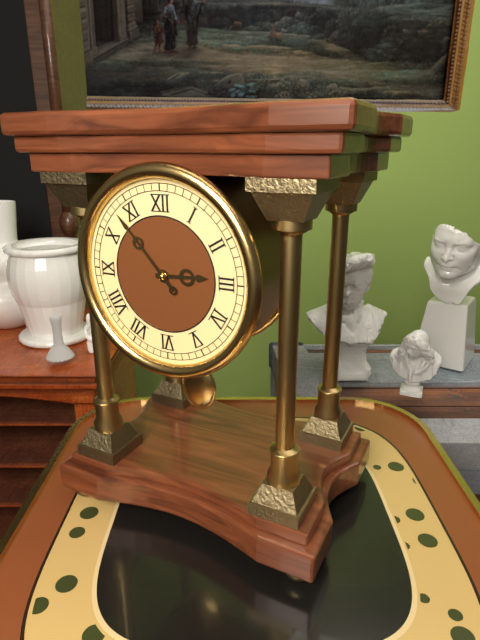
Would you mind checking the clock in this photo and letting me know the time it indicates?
2:53
